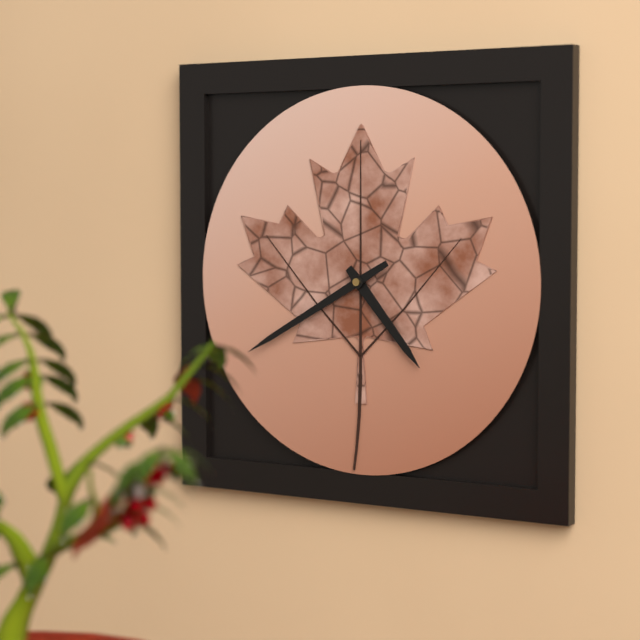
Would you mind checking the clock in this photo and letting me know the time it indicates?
4:40
